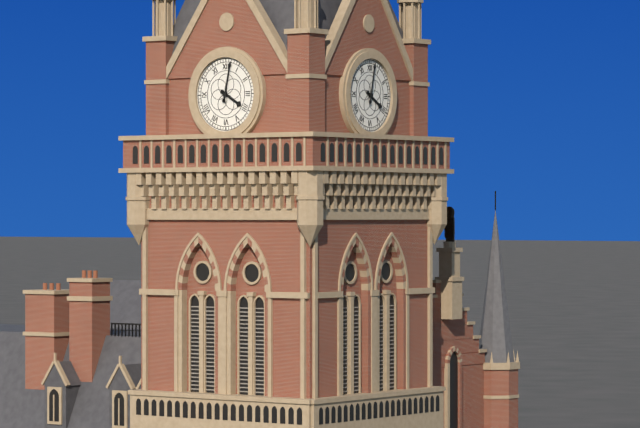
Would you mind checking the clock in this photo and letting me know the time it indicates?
4:02
